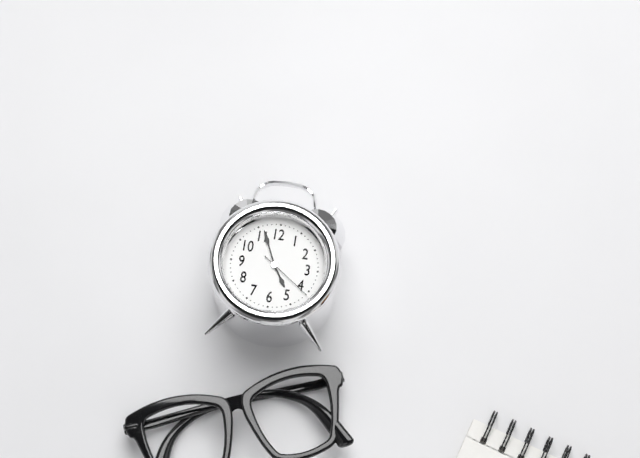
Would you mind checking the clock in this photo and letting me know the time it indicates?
4:56:21
